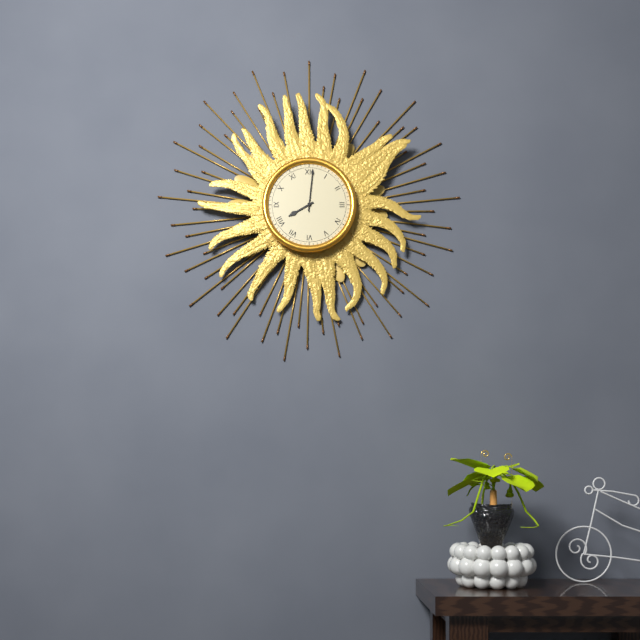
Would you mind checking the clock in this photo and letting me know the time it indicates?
8:01
